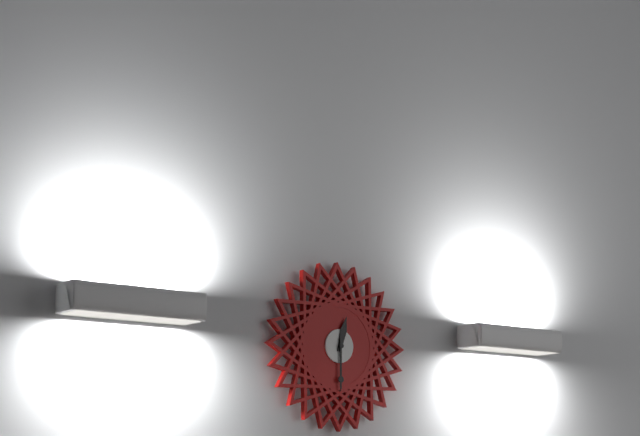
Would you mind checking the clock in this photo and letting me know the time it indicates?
12:30
